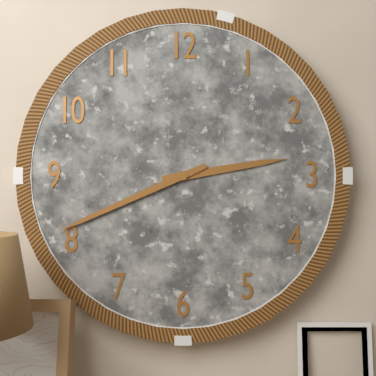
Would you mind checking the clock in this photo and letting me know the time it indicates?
2:41
